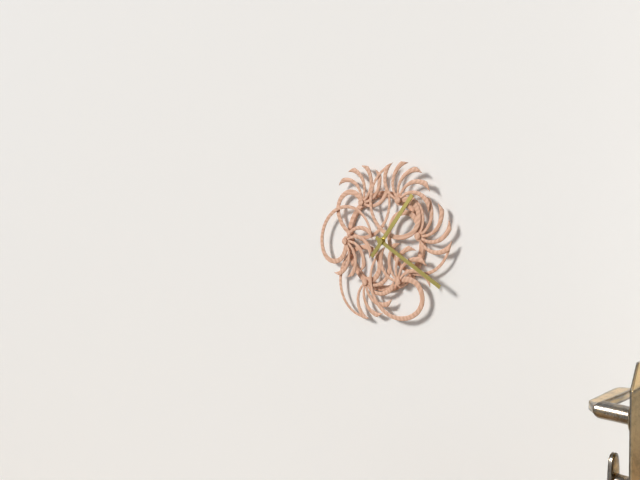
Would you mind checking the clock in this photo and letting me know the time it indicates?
1:20
